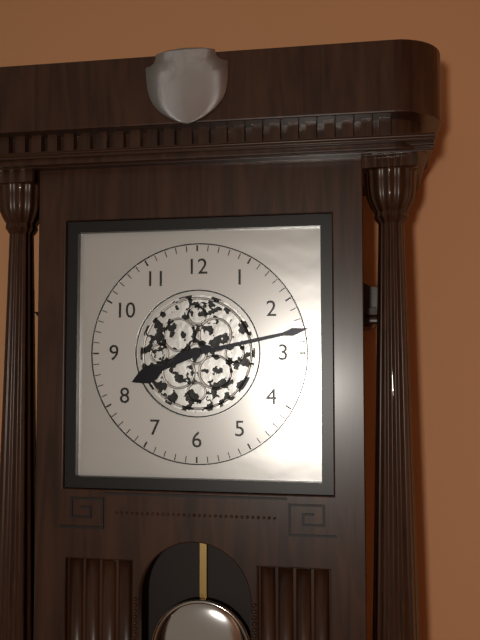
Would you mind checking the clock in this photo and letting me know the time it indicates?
8:13
